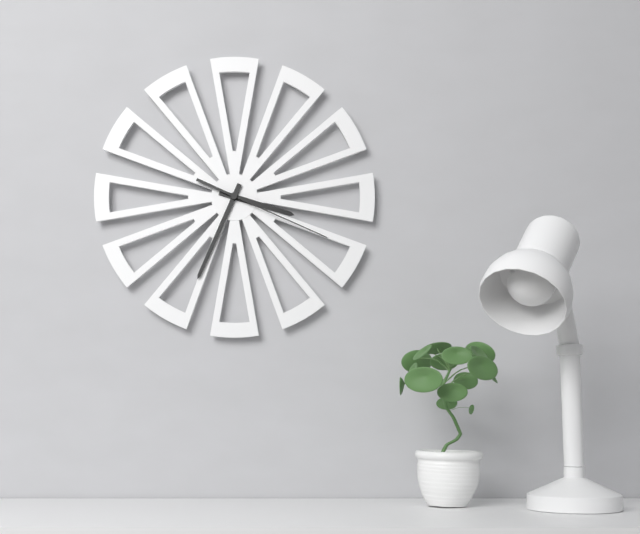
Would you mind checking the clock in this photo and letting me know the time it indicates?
3:34:19
